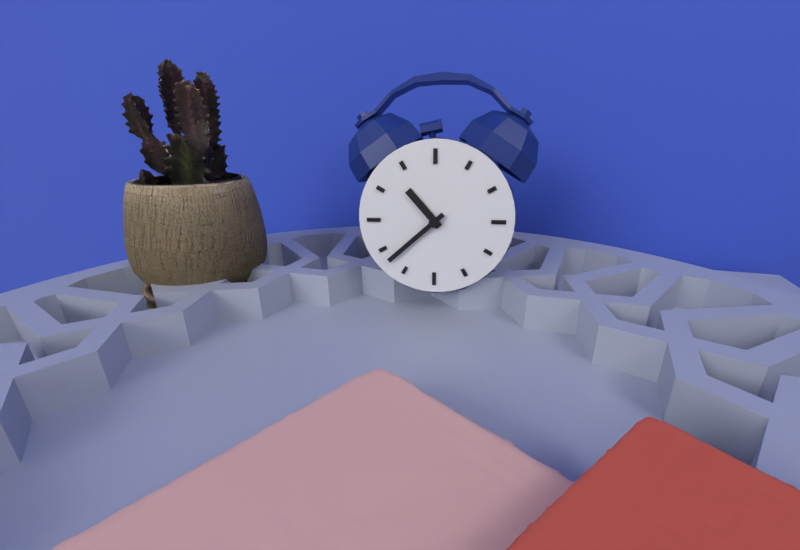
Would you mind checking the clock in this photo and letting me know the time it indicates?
10:38
